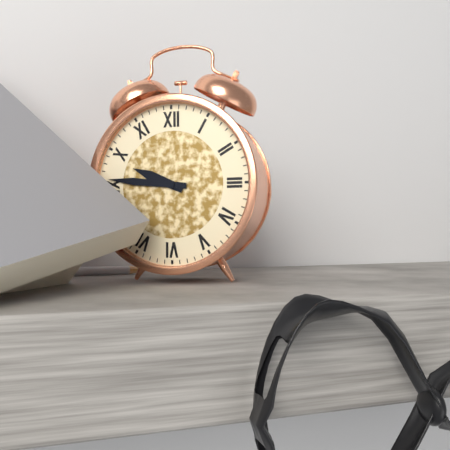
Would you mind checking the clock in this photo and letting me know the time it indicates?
9:46
